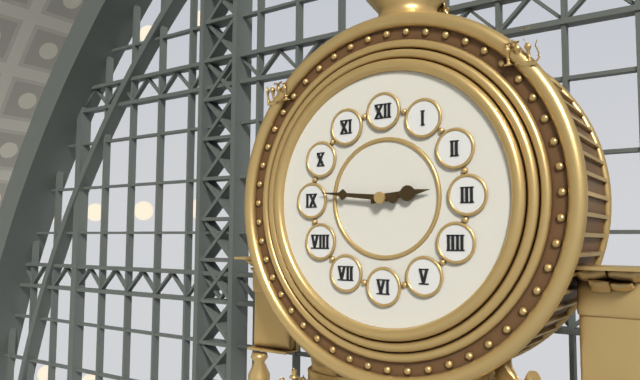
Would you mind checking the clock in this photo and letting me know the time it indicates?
2:46
